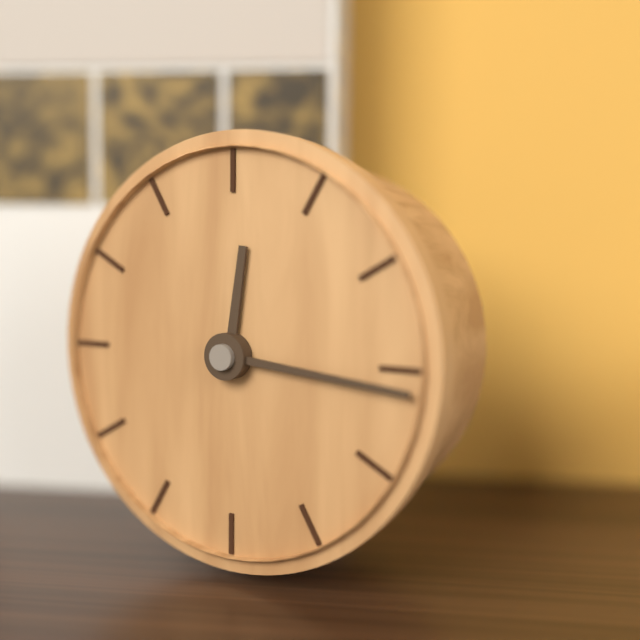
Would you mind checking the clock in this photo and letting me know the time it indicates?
12:16
